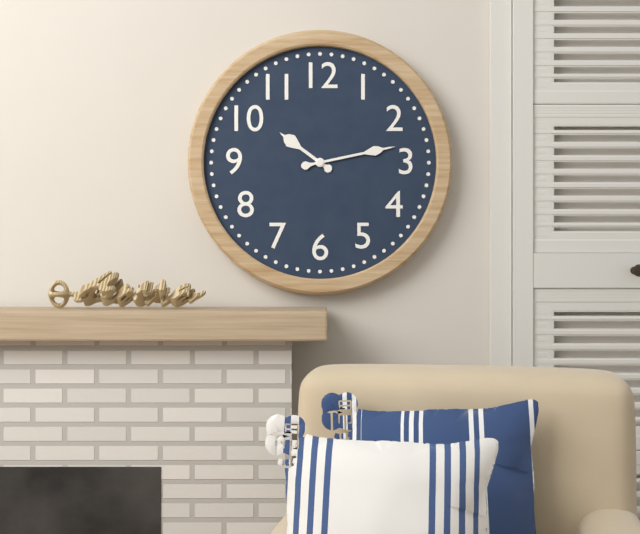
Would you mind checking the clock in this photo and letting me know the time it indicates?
10:13
